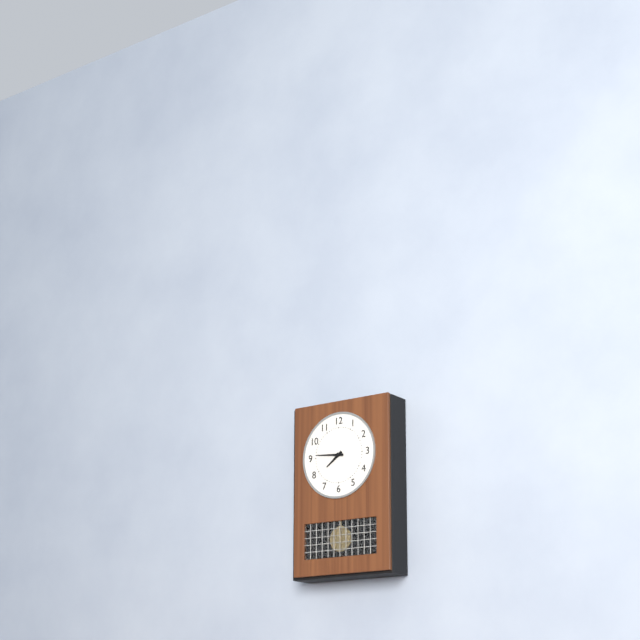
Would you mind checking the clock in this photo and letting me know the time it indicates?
7:46
